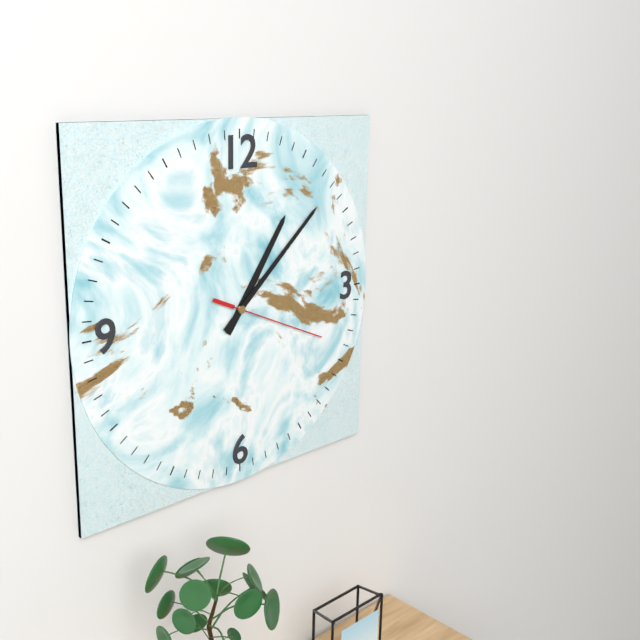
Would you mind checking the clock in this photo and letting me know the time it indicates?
1:08:19
